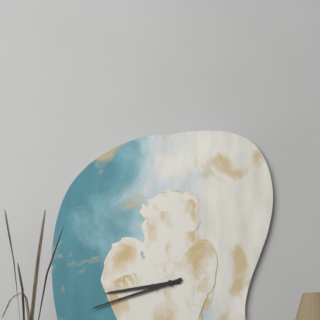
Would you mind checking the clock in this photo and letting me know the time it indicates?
8:42
